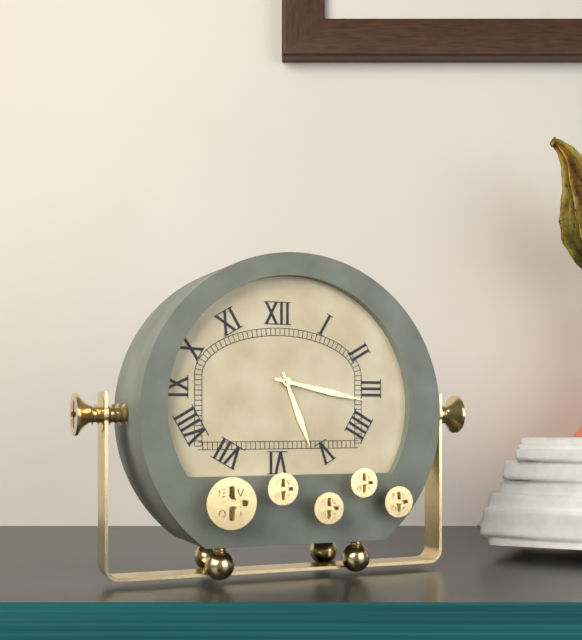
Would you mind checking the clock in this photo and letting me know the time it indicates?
5:17
